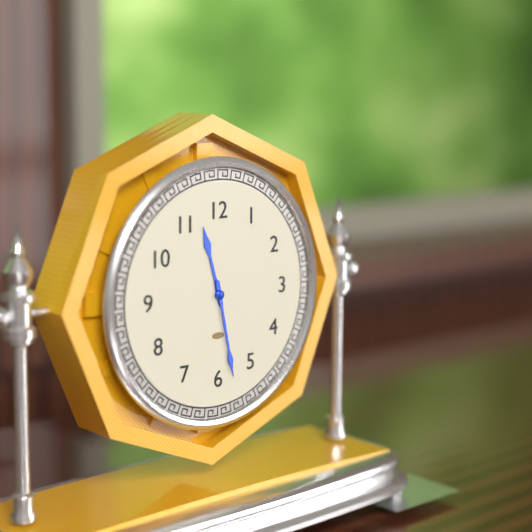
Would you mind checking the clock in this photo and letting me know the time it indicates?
11:28
